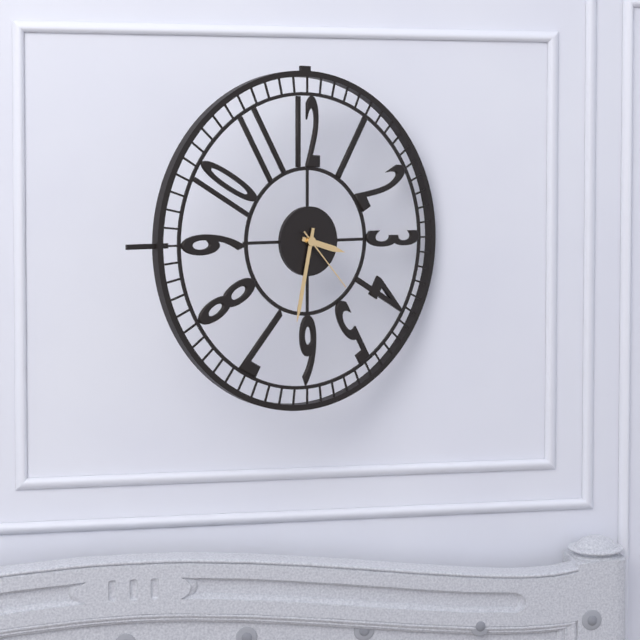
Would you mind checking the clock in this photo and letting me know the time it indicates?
3:32:23
